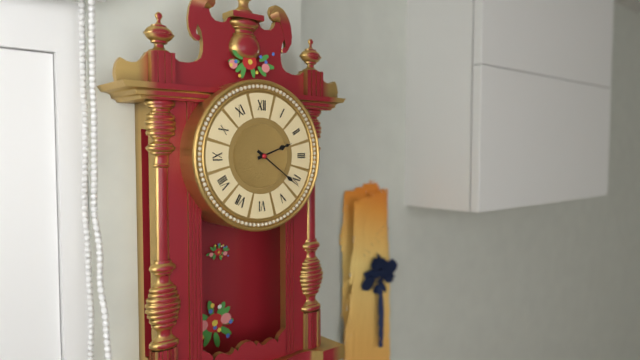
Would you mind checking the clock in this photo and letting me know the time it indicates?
2:21
